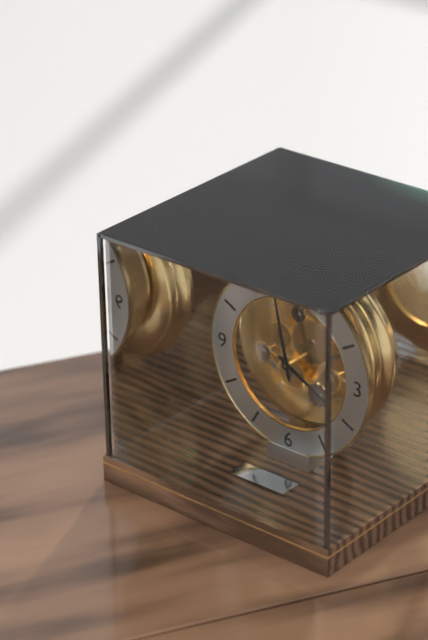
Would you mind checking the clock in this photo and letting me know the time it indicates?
3:58
